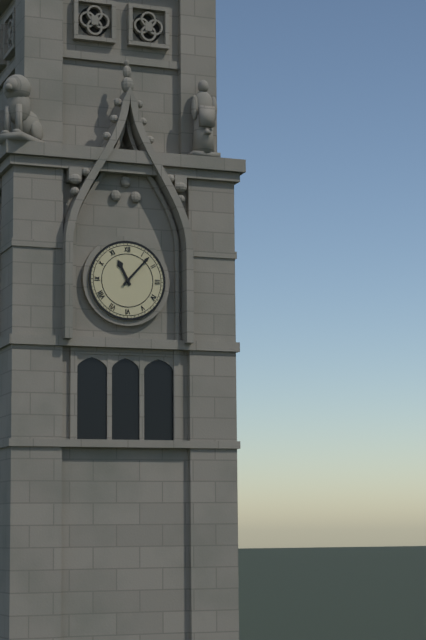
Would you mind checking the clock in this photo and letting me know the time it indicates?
11:07
